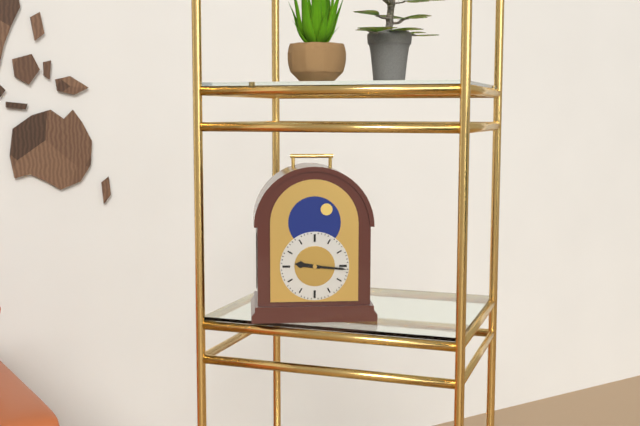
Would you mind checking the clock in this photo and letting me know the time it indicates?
9:16
